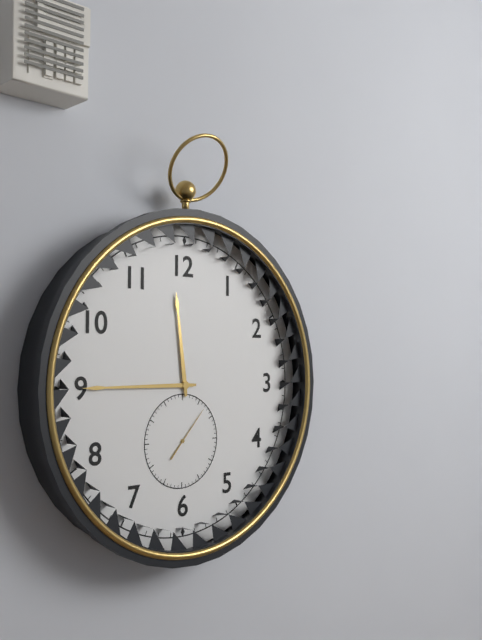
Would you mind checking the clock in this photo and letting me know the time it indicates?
11:45
